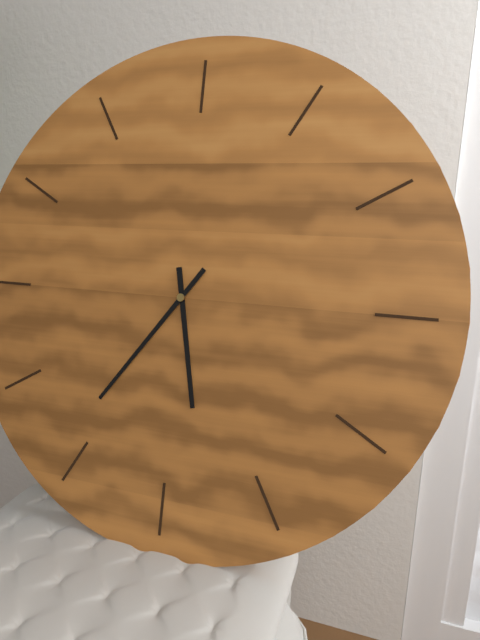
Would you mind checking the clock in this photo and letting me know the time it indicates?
5:36
